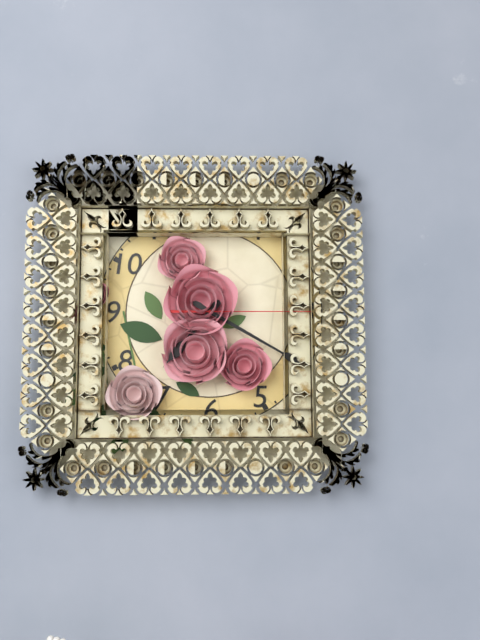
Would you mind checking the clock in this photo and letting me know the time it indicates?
7:20:15
